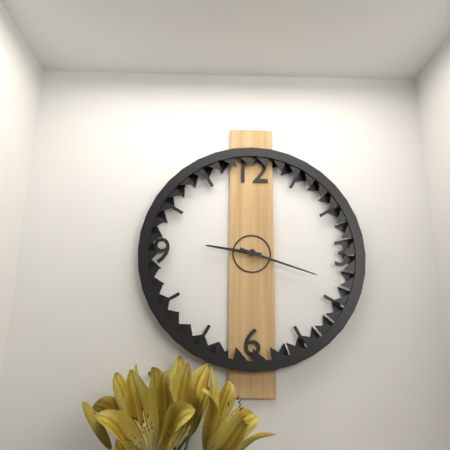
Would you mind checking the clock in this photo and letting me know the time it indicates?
9:18
